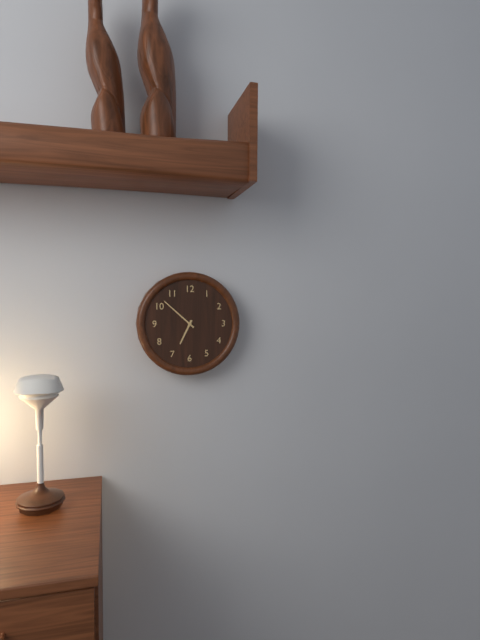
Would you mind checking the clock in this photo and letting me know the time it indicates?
6:52
